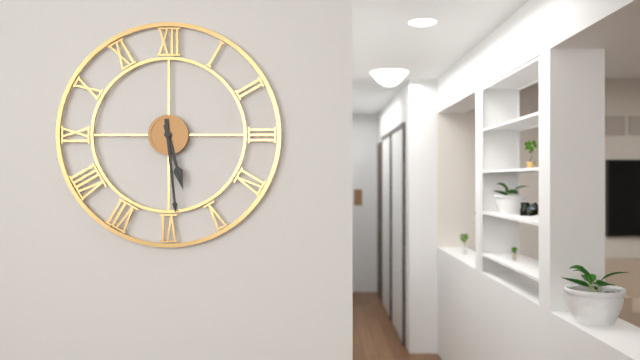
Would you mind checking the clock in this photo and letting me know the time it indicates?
5:29
